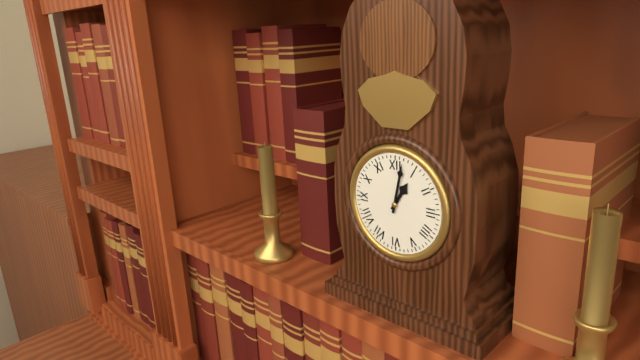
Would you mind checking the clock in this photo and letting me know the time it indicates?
1:02
